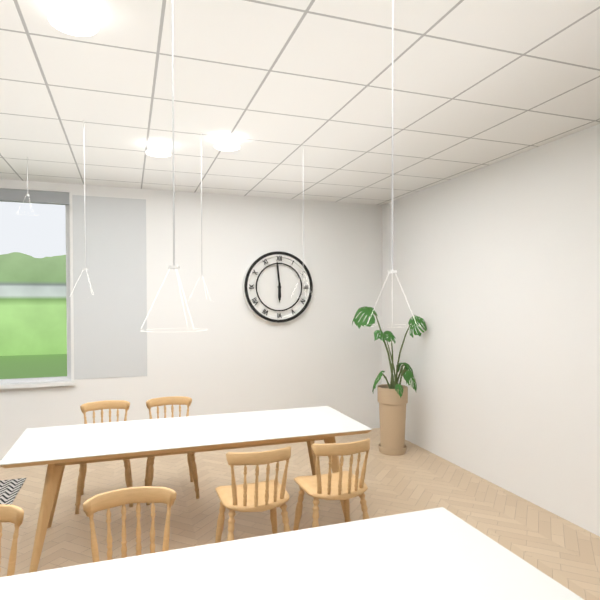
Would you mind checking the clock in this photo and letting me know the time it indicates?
5:59
